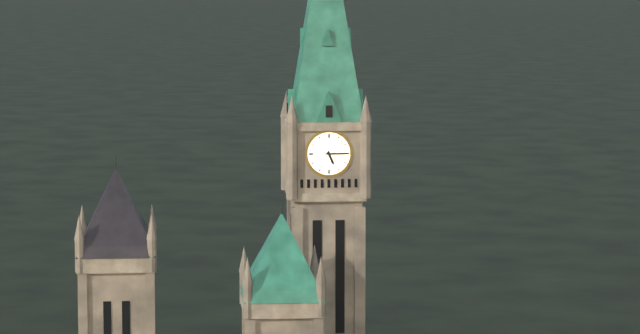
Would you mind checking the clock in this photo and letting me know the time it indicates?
5:15
